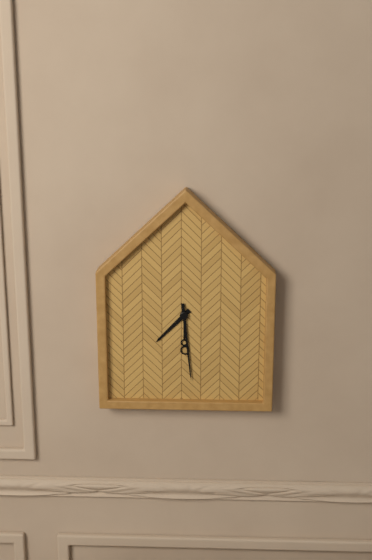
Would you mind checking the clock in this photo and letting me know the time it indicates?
7:29
